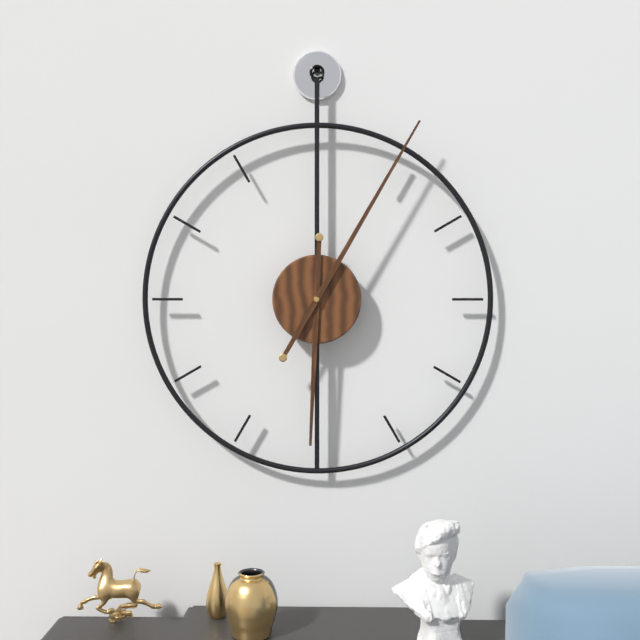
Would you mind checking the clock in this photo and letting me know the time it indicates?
6:05
